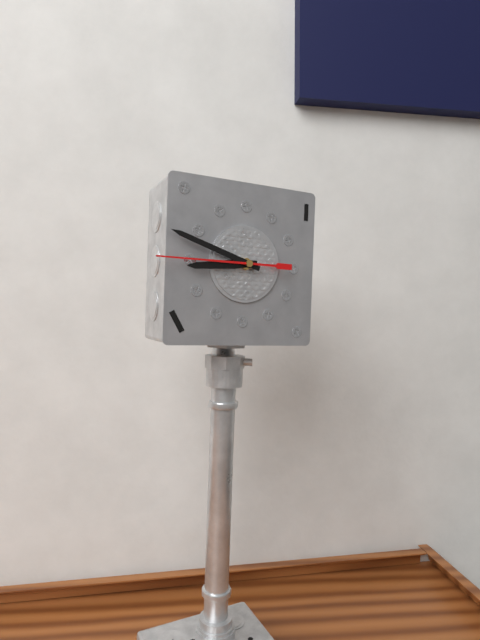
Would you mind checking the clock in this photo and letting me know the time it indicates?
8:48:45
